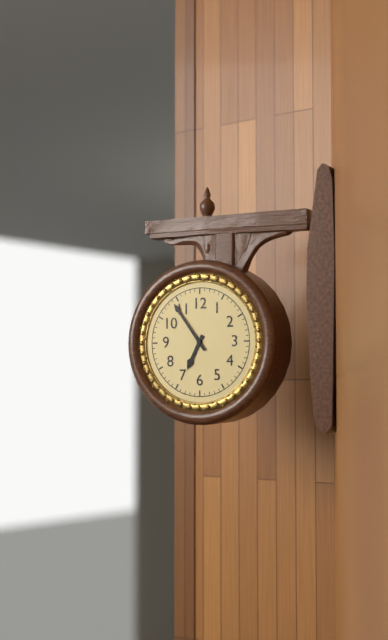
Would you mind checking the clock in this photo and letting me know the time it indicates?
6:54
